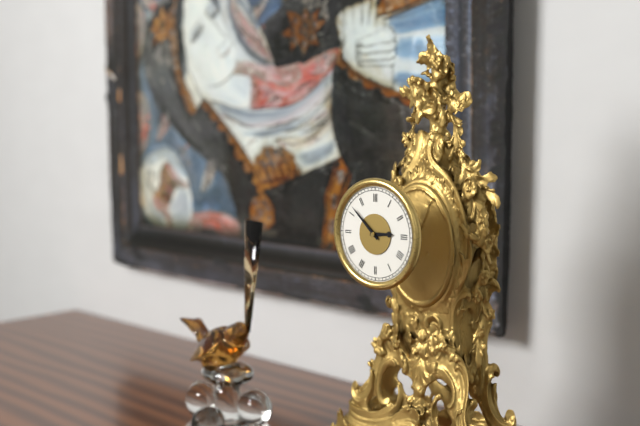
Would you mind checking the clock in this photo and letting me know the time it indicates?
2:52
